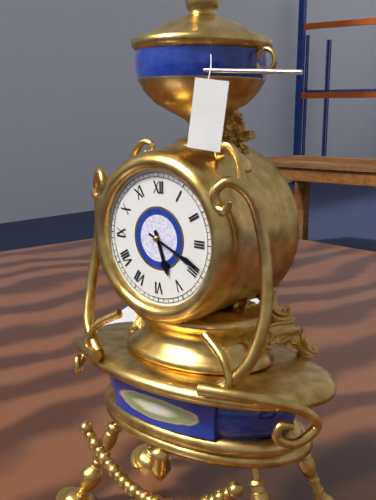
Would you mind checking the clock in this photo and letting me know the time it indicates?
5:19
